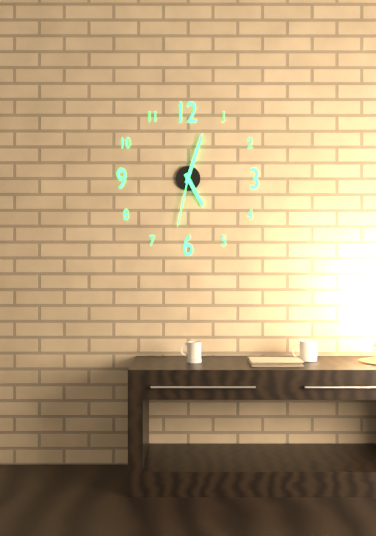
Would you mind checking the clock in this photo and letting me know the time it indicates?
5:03:32
